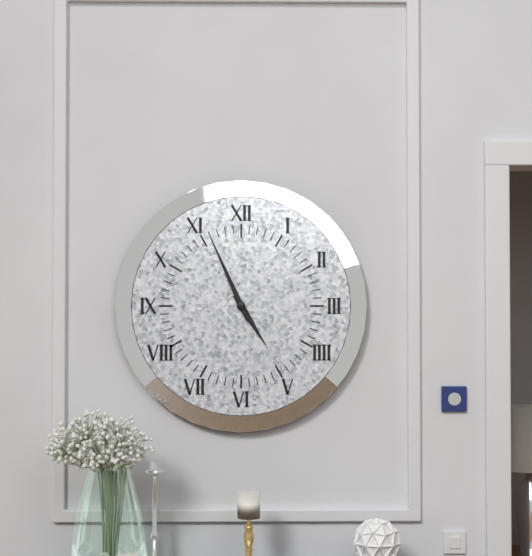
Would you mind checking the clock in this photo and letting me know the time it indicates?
4:56
